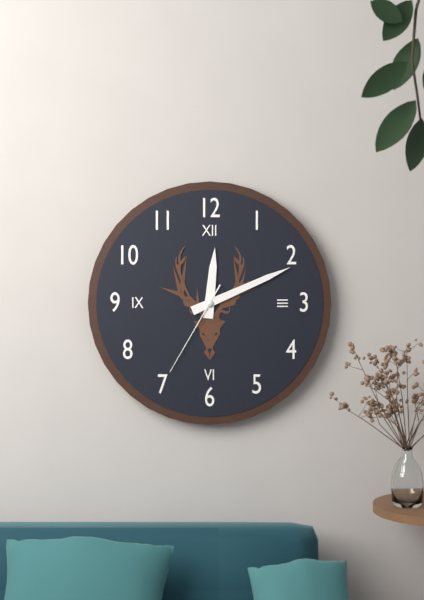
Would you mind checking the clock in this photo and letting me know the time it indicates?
12:11:35
